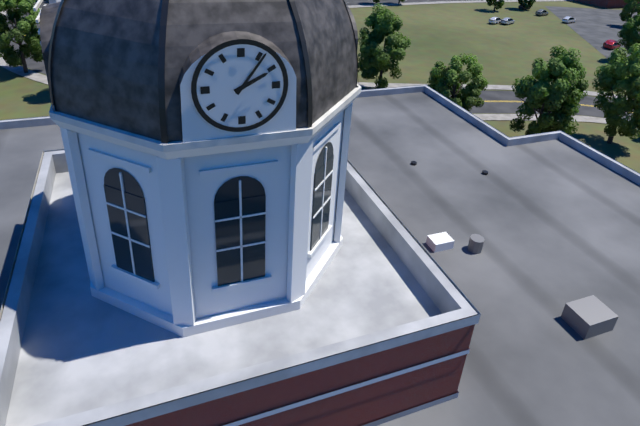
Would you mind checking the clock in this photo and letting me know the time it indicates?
2:06
